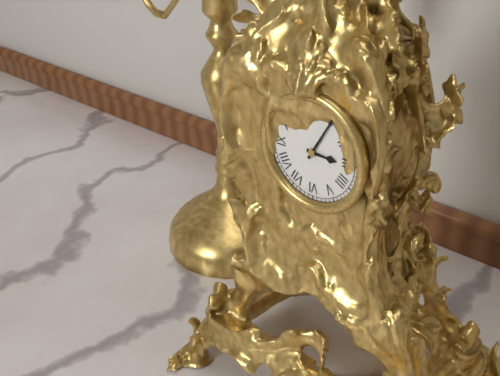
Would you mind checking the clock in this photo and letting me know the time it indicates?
3:05
